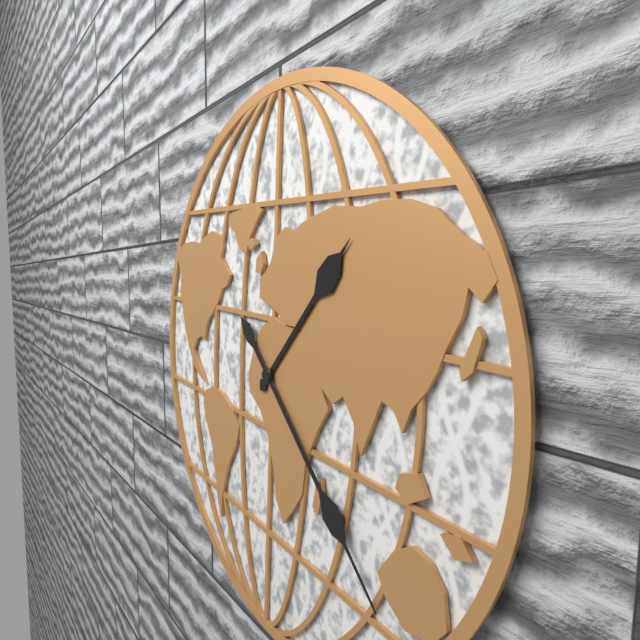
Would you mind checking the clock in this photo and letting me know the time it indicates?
1:22
